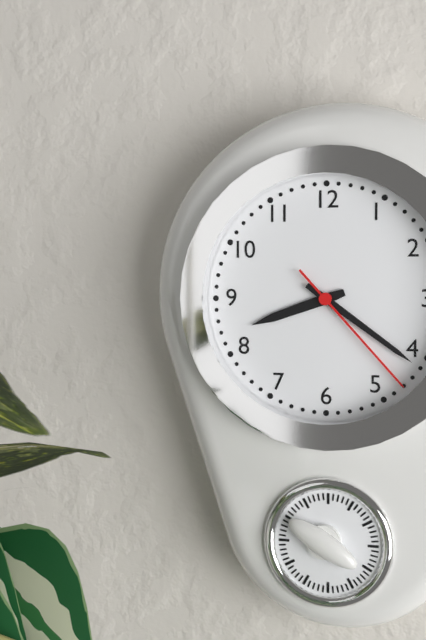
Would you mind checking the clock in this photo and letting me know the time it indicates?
8:21:23
